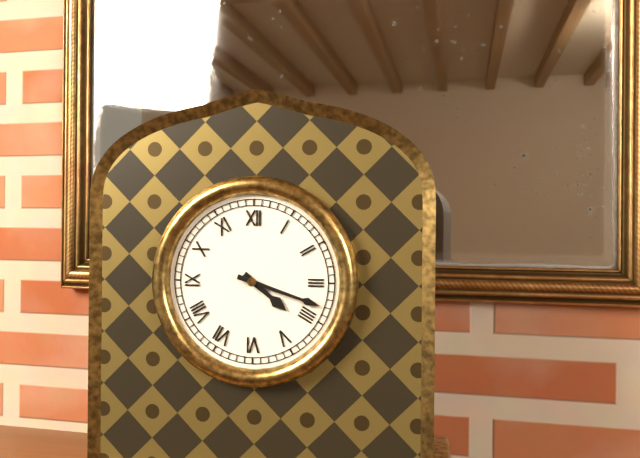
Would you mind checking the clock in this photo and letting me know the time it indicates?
4:18
